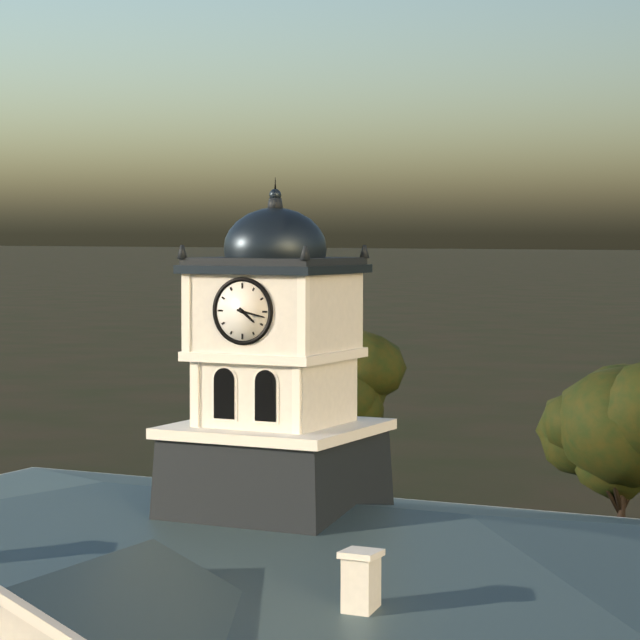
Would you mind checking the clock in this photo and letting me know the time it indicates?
4:17
